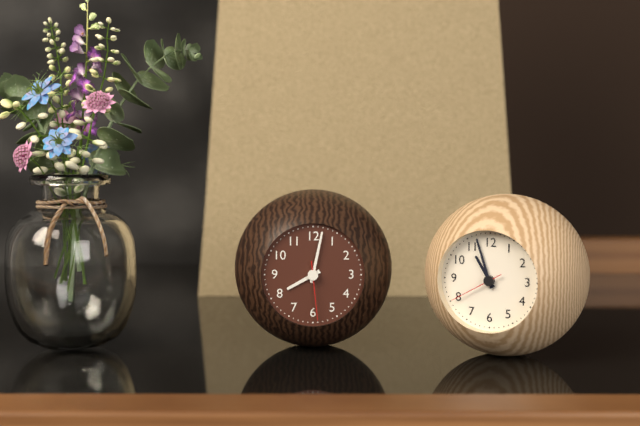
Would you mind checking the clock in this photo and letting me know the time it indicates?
8:02:29
